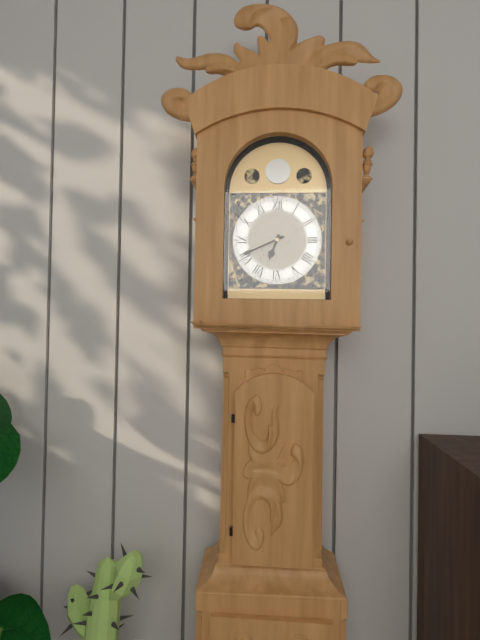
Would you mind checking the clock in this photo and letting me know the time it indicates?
6:41
